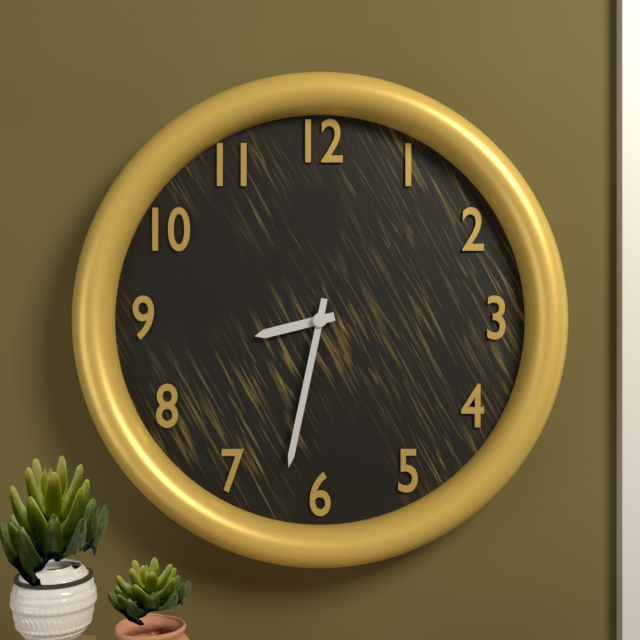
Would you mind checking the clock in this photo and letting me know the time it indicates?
8:32
